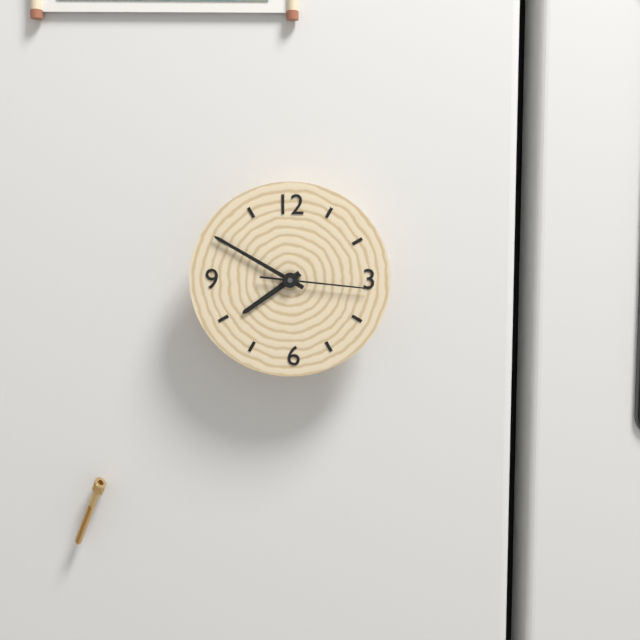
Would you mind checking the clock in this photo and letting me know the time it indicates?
7:50:16
